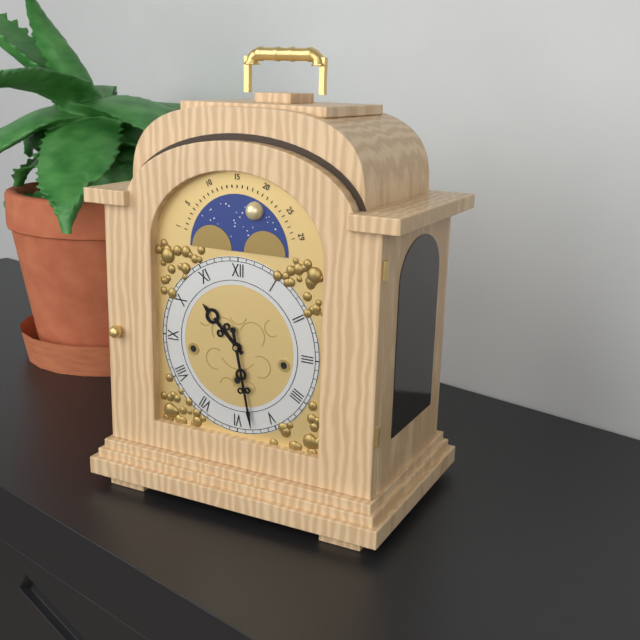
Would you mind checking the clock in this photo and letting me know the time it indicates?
10:28
